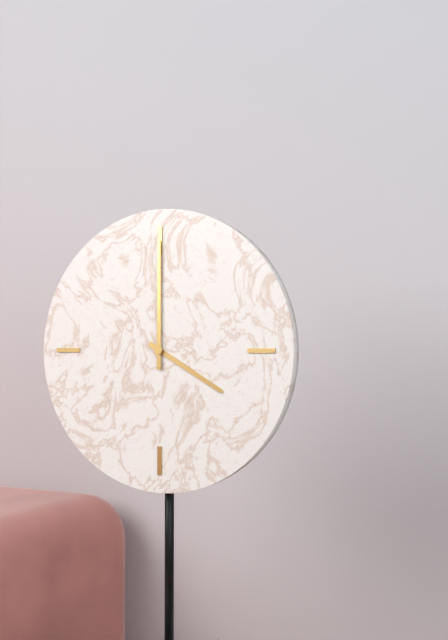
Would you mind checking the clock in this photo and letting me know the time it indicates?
4:00
